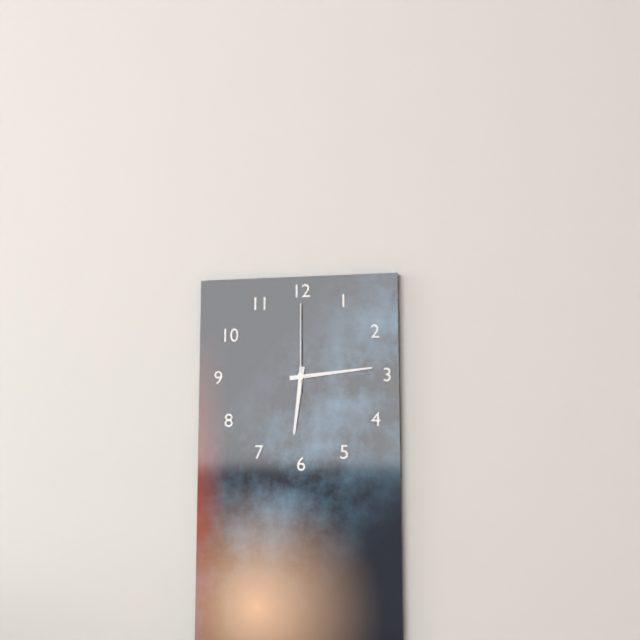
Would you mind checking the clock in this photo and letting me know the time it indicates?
6:14:00
